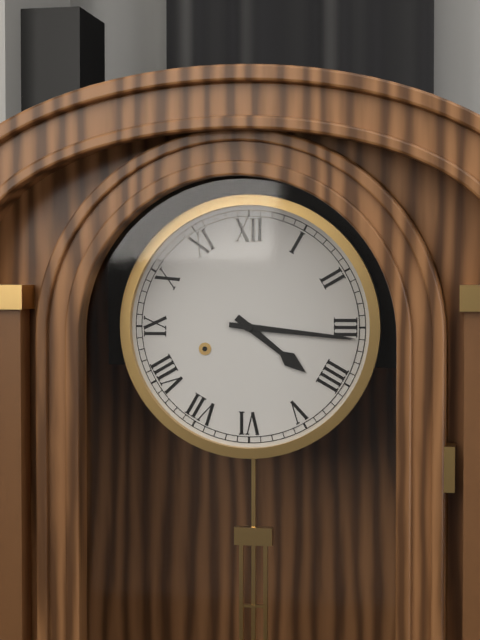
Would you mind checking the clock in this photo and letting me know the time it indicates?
4:16
